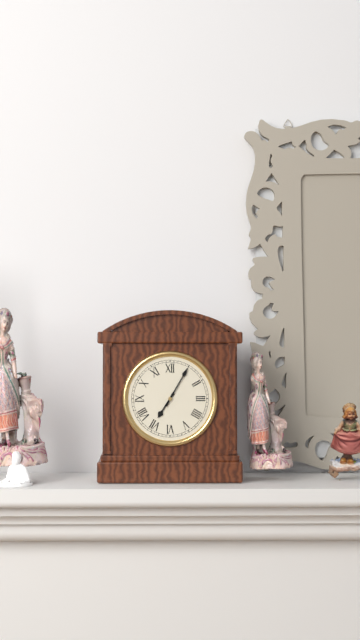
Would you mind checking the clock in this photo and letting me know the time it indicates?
7:05
